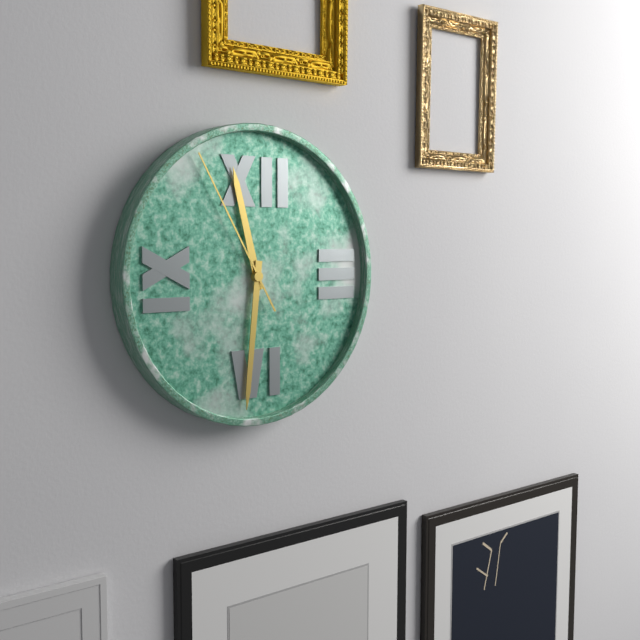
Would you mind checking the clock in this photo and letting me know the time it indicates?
11:31:55
